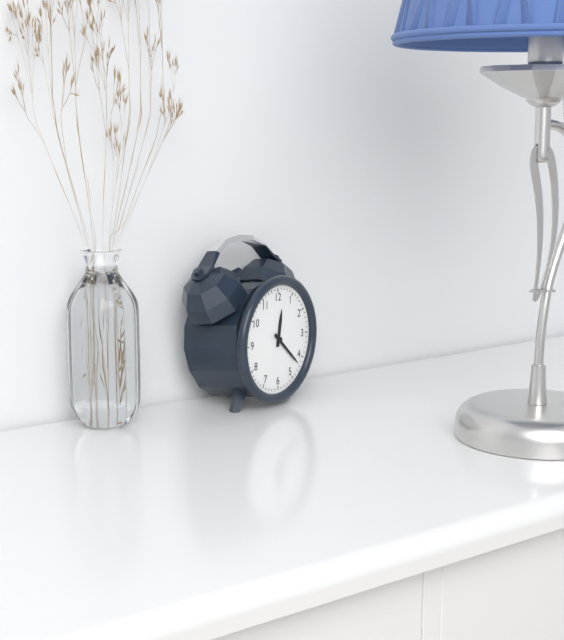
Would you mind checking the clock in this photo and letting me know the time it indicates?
12:22
